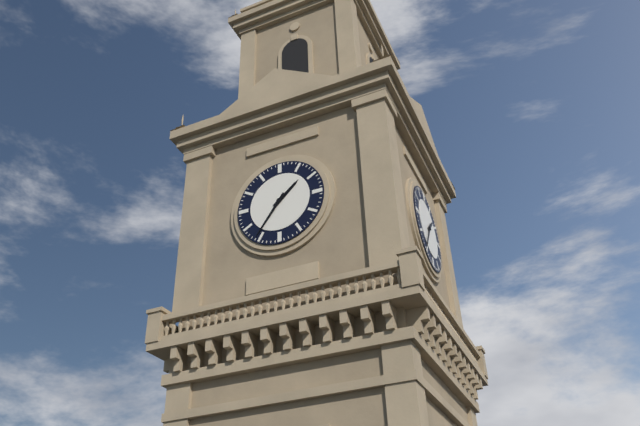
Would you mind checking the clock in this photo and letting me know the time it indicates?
1:36
